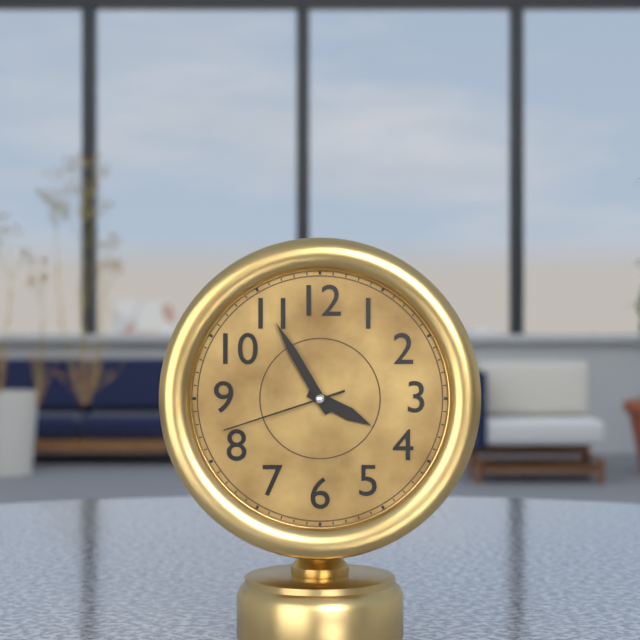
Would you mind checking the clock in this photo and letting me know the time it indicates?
3:55:42
